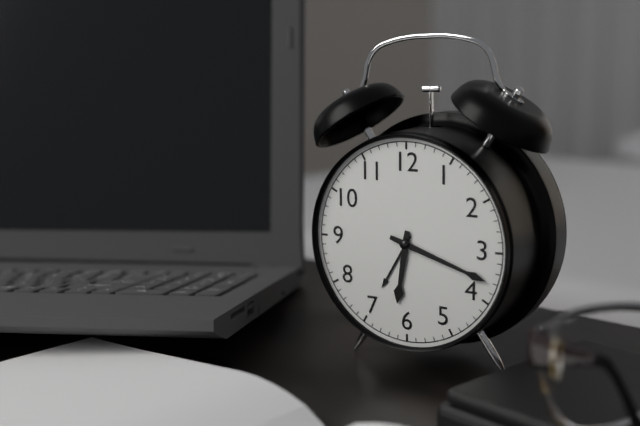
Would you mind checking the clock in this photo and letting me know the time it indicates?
6:18
